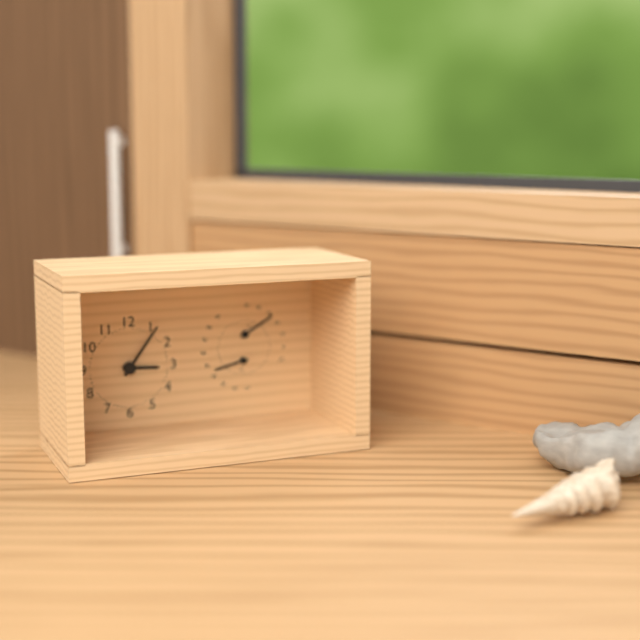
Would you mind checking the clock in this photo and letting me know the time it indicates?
3:06
